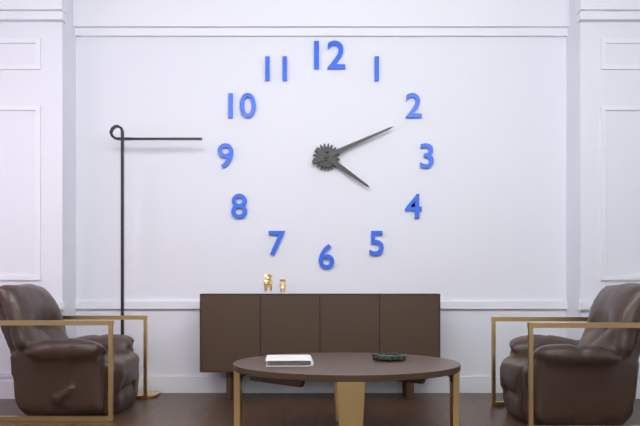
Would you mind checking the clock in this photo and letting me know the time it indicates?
4:11
